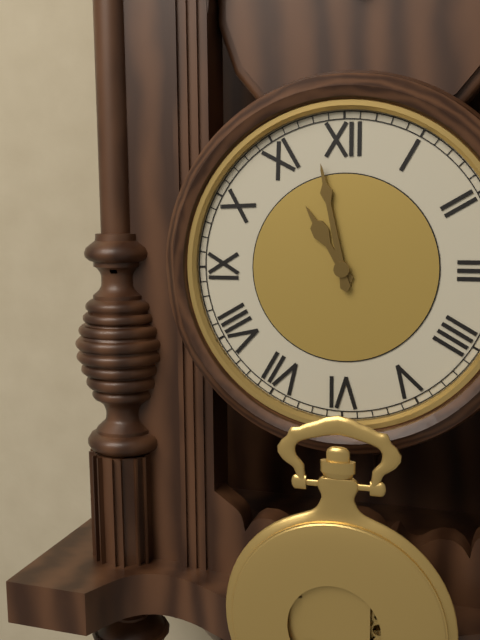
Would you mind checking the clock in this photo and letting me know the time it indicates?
10:58
